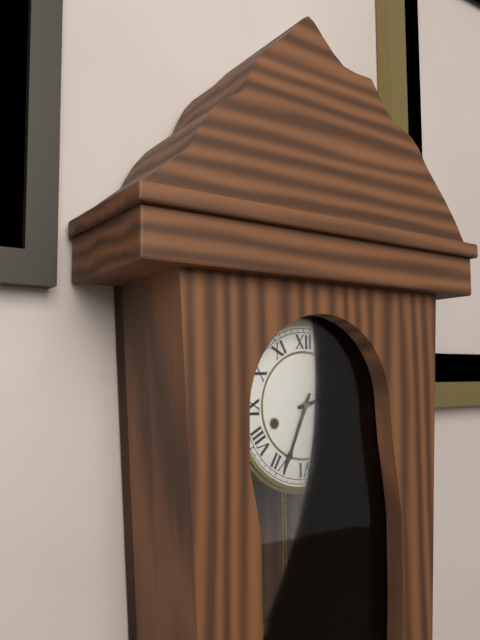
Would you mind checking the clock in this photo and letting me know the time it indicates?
2:34
